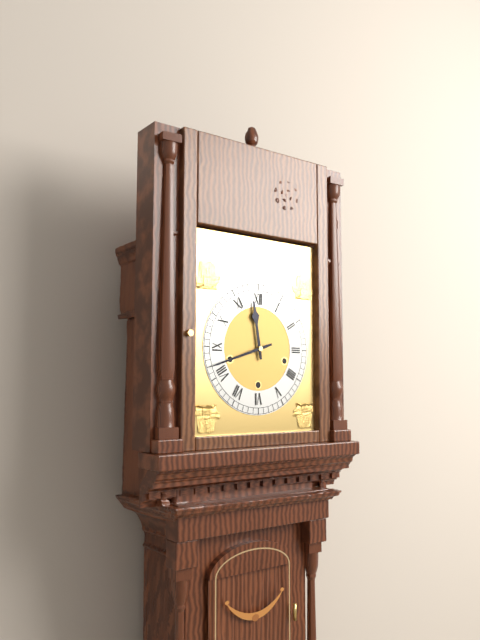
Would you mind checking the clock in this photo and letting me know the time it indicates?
11:42
